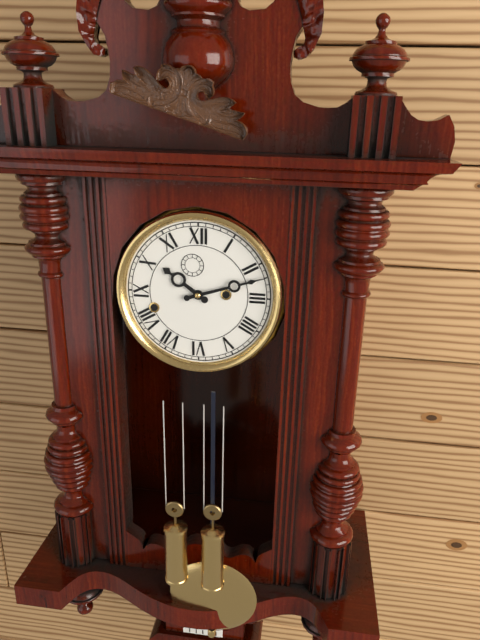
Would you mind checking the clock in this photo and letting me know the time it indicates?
10:12
